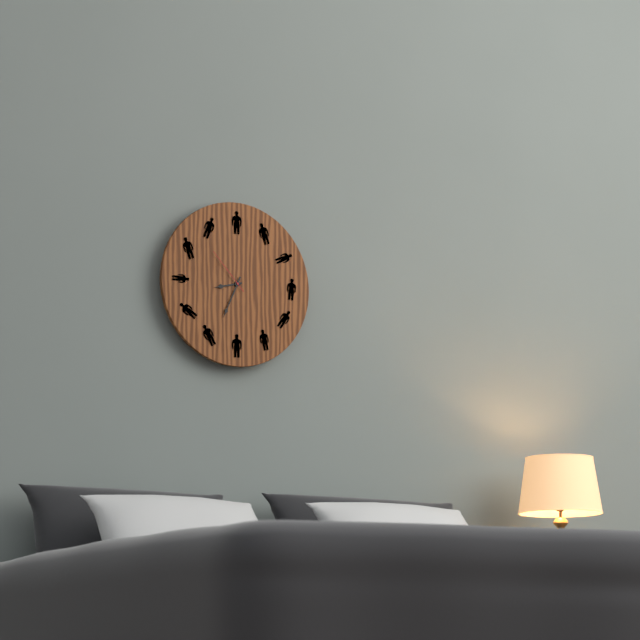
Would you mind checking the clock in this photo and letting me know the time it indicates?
8:34:53
